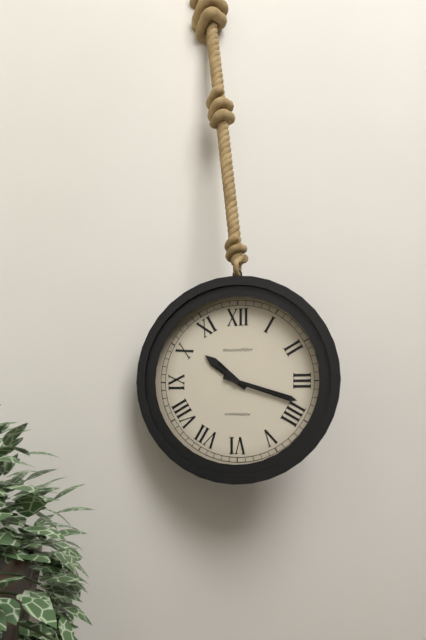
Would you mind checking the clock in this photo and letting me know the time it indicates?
10:18
